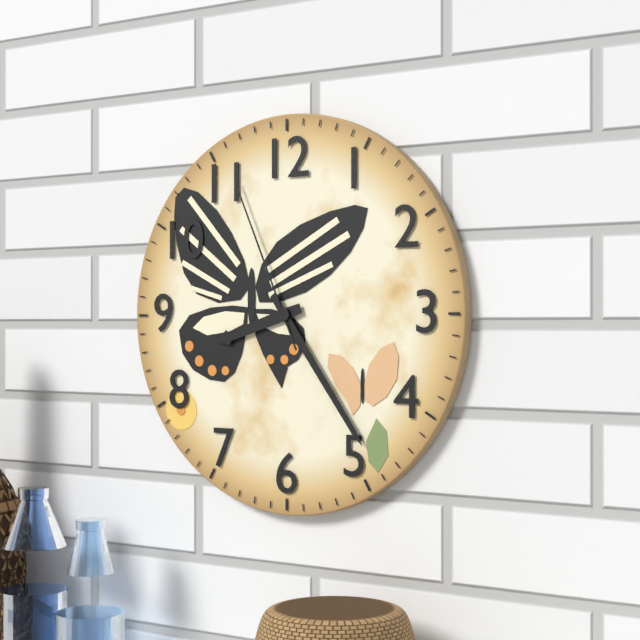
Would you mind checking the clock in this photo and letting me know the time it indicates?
8:24:56
